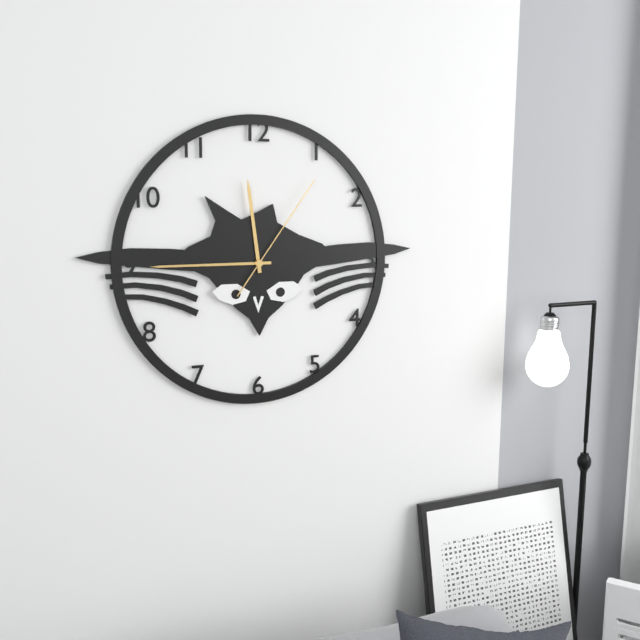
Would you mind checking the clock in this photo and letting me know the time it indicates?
11:45:06
